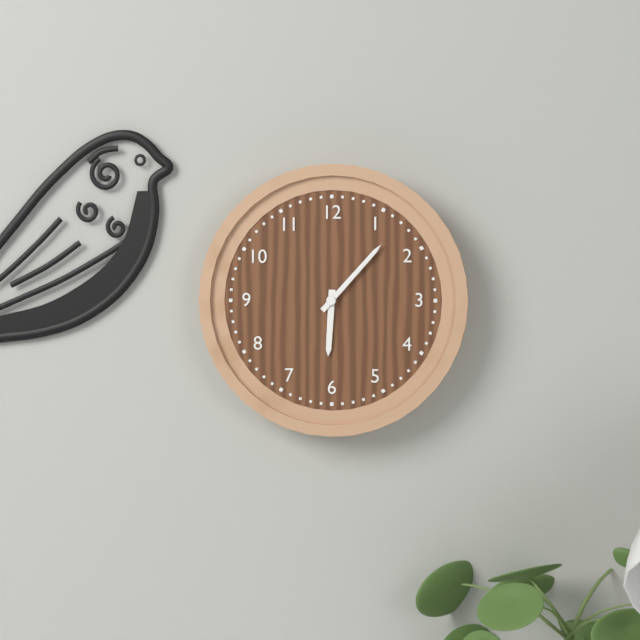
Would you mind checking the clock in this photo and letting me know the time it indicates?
6:07
